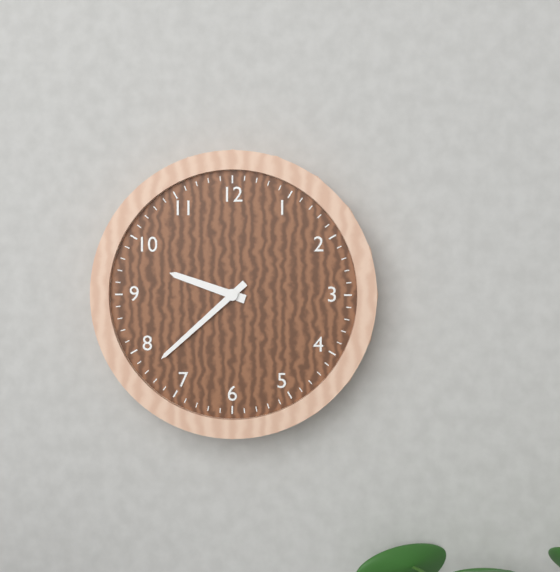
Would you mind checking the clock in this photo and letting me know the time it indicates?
9:38
